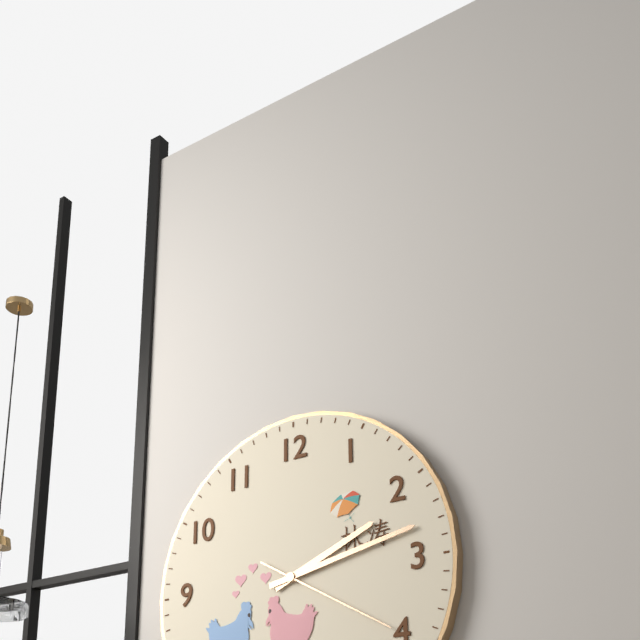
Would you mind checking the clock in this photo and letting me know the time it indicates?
2:13:20
